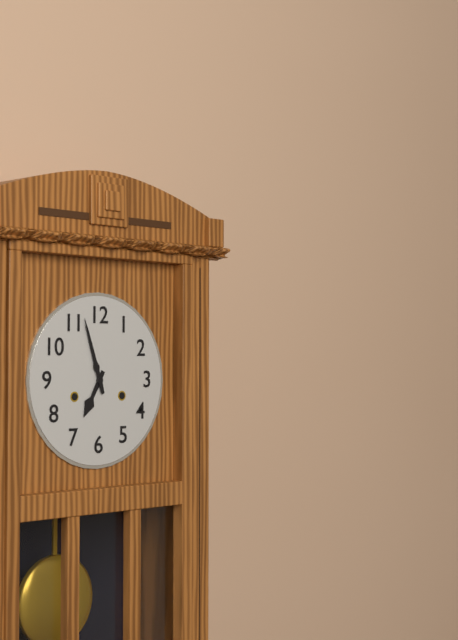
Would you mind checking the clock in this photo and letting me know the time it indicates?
6:57
